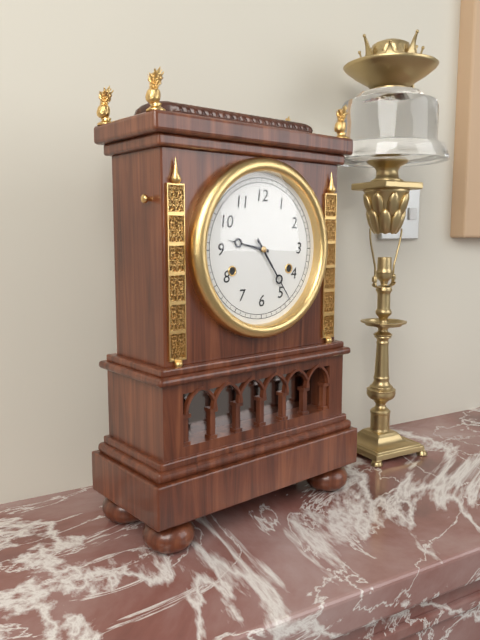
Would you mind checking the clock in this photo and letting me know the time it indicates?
9:24
